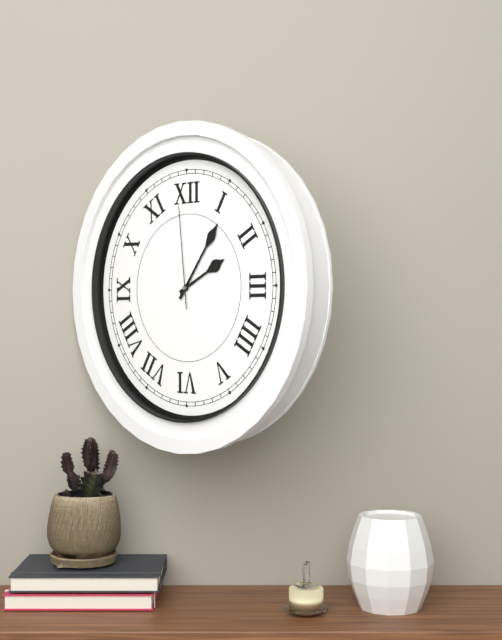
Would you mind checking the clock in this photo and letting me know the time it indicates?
2:06:59
